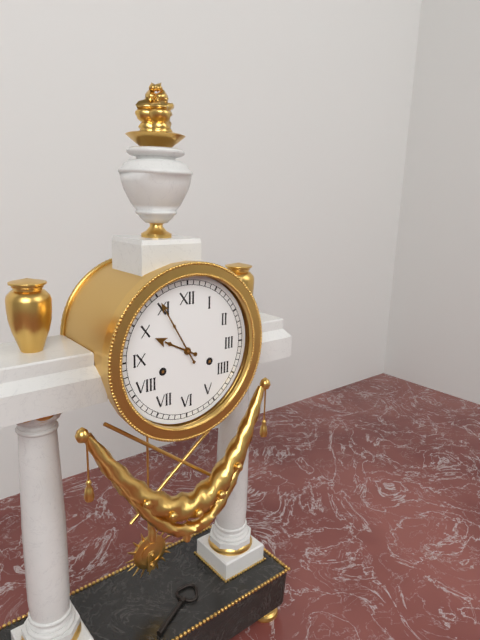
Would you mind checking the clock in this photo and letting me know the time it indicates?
9:55
